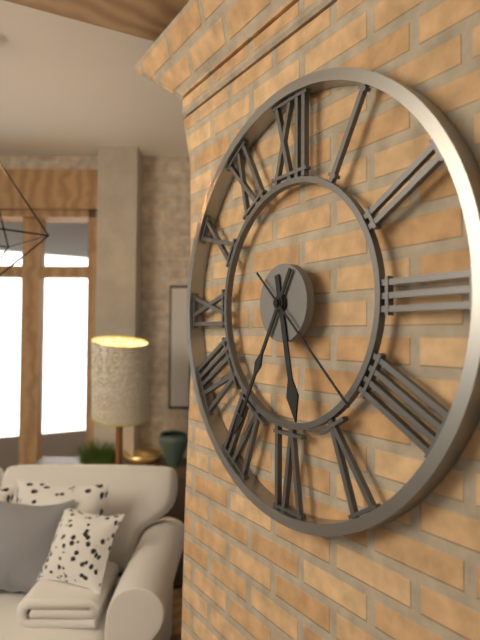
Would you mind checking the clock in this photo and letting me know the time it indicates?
5:35:22
